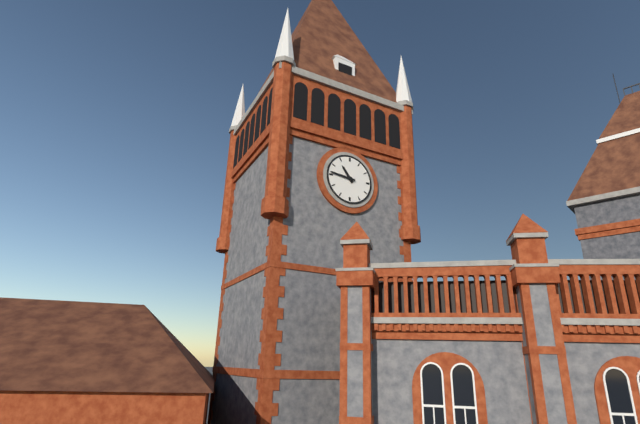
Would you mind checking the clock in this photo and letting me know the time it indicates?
10:46
